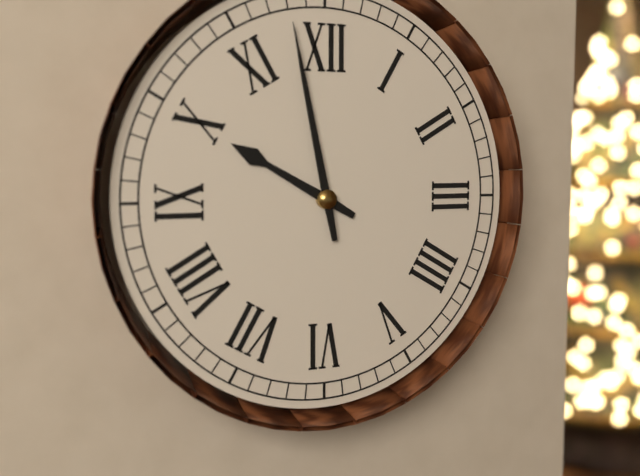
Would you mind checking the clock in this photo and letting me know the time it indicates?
9:58
